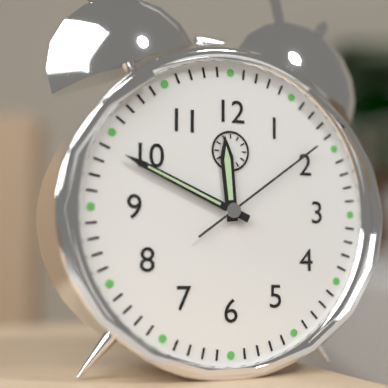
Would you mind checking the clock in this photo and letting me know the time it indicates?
11:49:09
